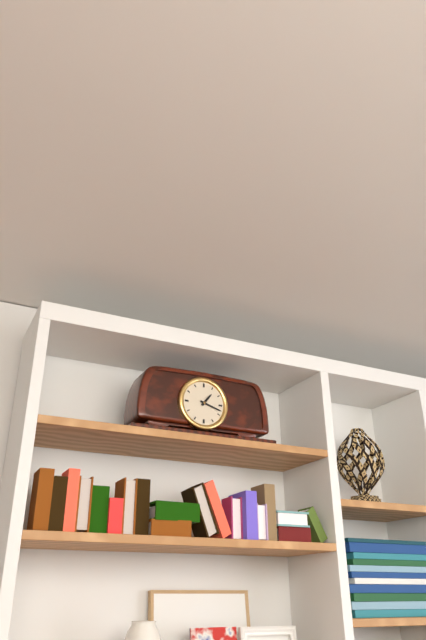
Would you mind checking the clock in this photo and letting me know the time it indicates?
1:18
